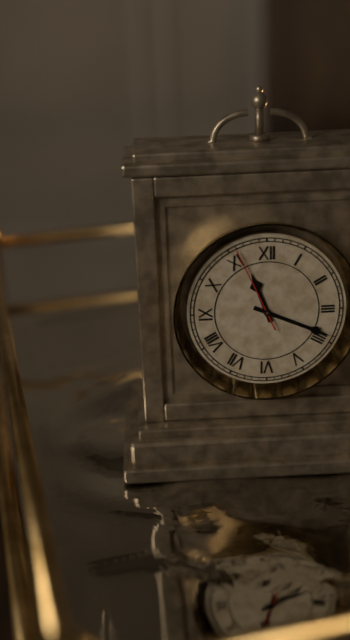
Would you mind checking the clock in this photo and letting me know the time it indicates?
11:19:56
